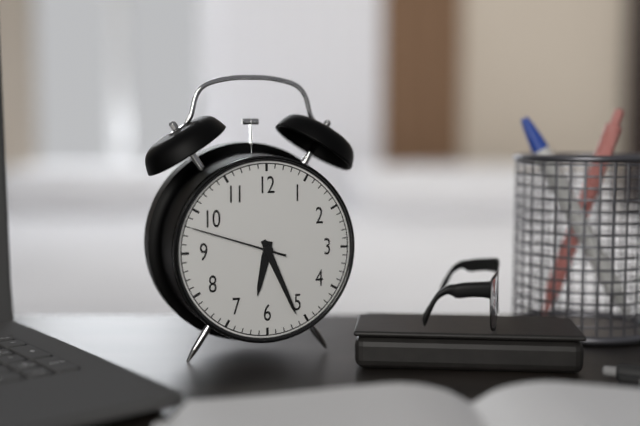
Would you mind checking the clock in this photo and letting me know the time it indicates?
6:26:48
